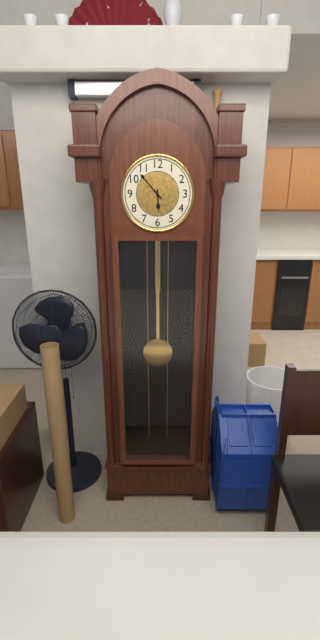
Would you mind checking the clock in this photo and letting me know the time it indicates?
5:53
